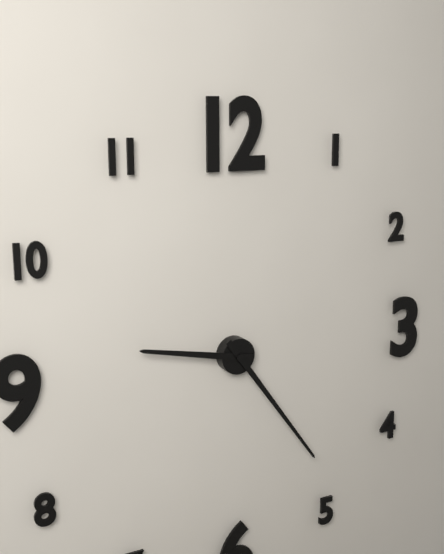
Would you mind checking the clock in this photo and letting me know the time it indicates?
9:24
